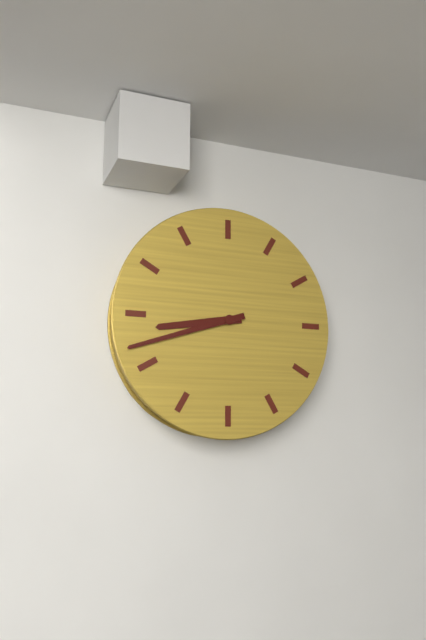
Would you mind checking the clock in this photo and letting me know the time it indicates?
8:42
